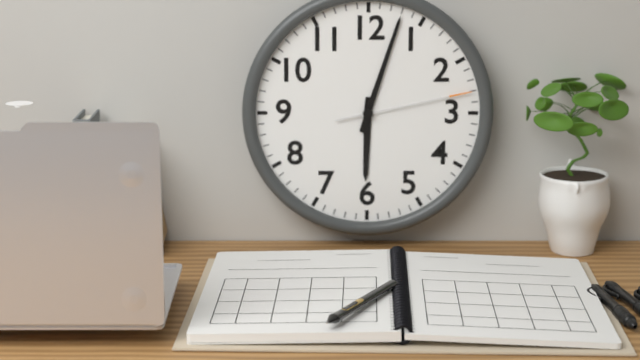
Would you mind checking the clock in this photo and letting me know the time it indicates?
6:03:13
